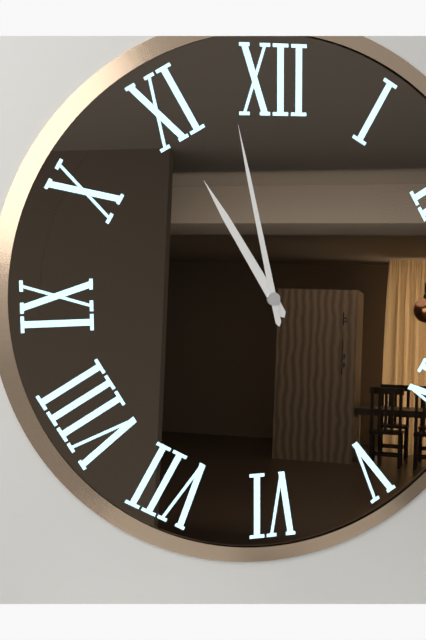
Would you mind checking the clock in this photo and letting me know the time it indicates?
10:58
